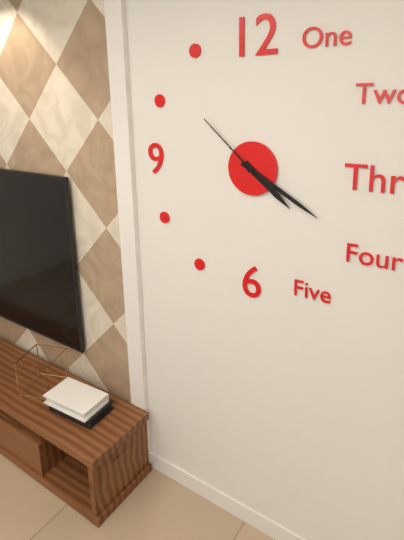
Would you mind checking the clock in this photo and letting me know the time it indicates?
4:20:52
